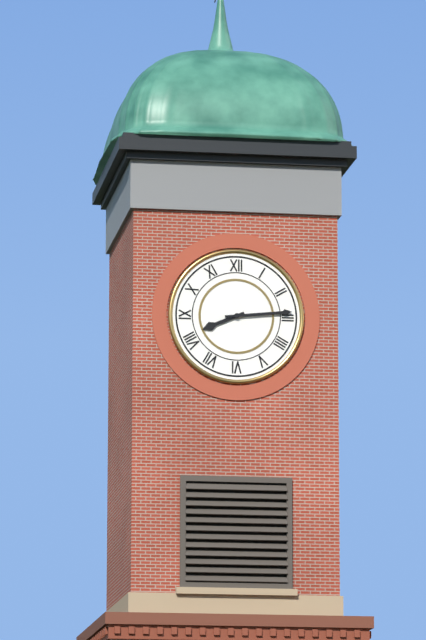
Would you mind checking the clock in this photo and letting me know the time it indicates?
8:14
